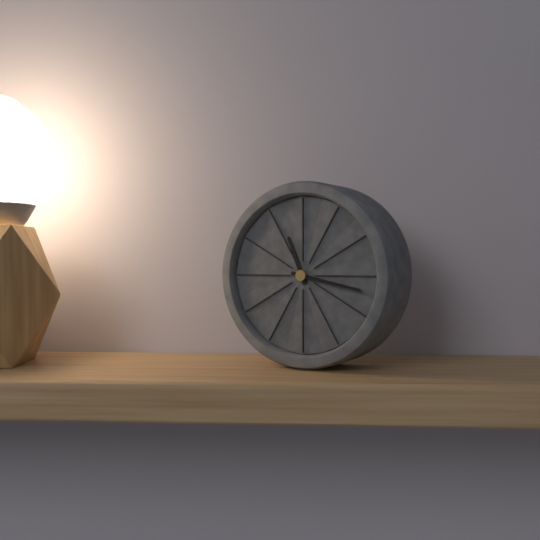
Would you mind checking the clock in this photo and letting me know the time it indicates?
11:17
